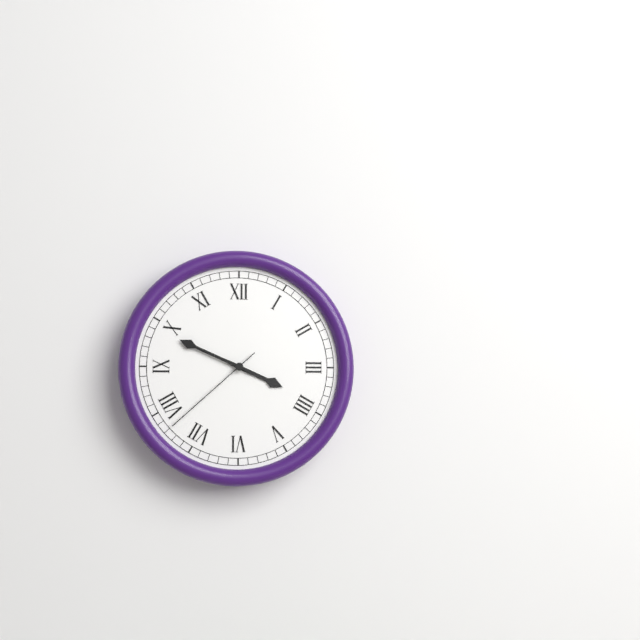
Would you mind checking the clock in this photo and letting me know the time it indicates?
3:49:38
